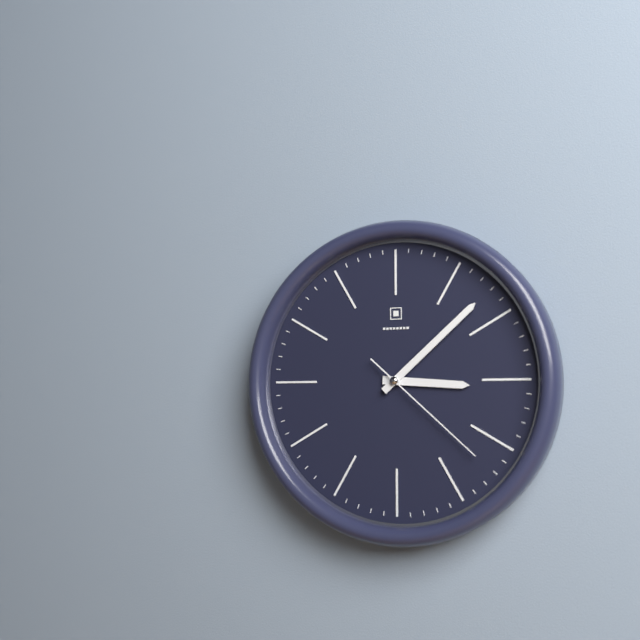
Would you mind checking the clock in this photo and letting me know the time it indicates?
3:08:22
